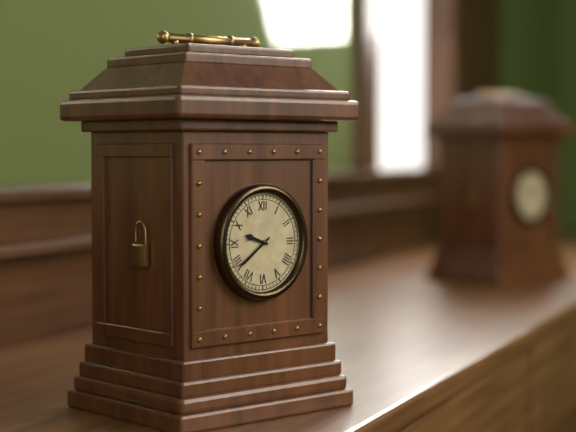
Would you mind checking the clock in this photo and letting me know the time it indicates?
9:39
